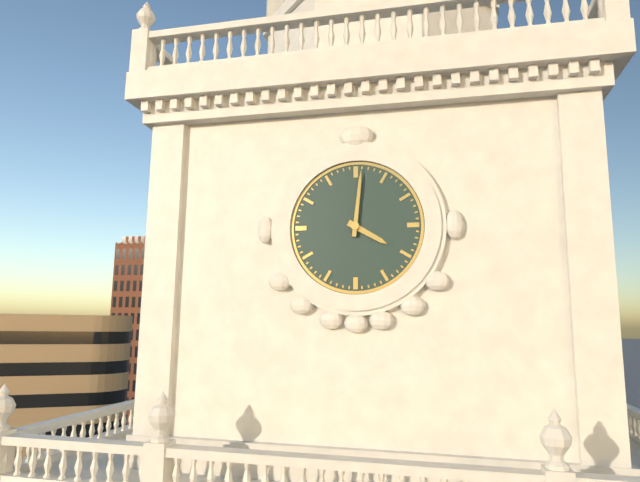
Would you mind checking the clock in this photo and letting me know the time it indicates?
4:01
